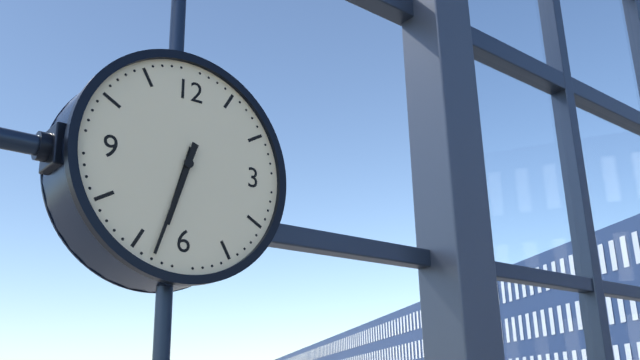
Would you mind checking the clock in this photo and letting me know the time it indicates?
6:33
